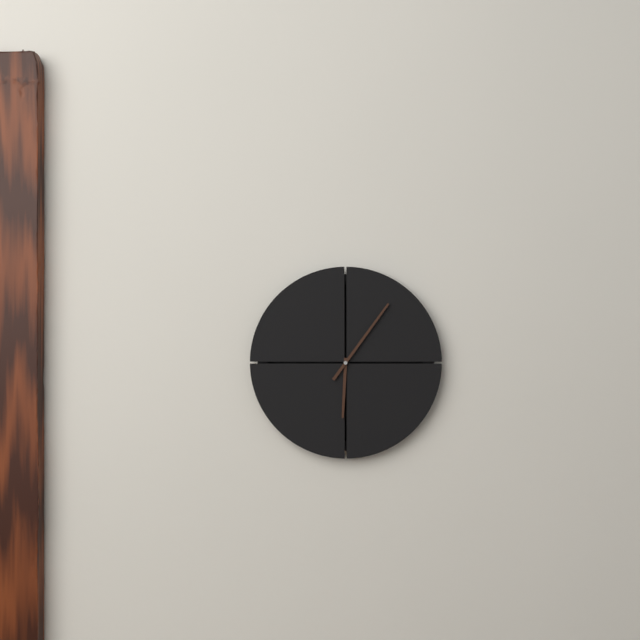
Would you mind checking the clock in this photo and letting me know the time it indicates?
6:06
